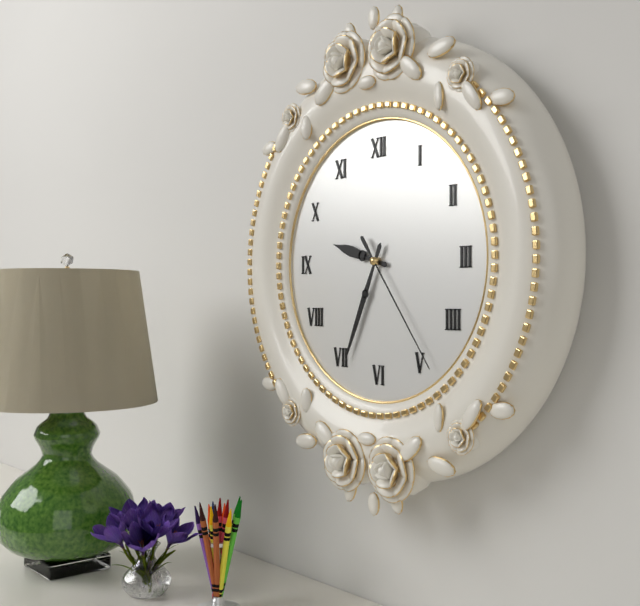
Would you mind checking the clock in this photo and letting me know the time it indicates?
9:34:24
